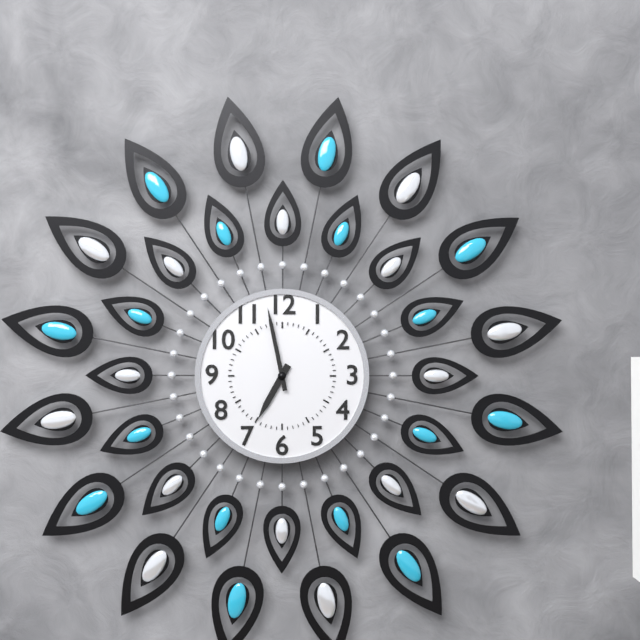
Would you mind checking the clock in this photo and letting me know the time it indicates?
6:58
